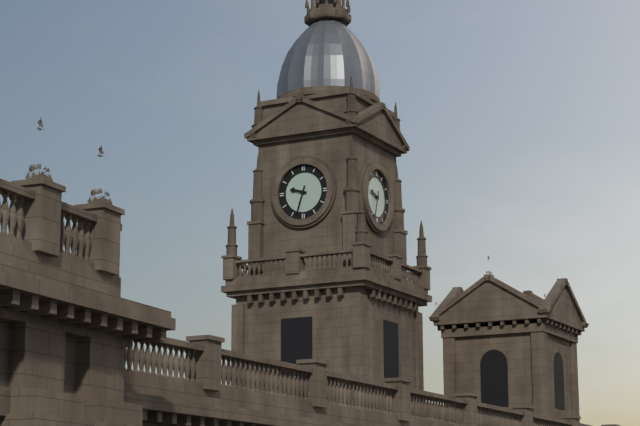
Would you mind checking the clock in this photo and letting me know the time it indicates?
9:33
